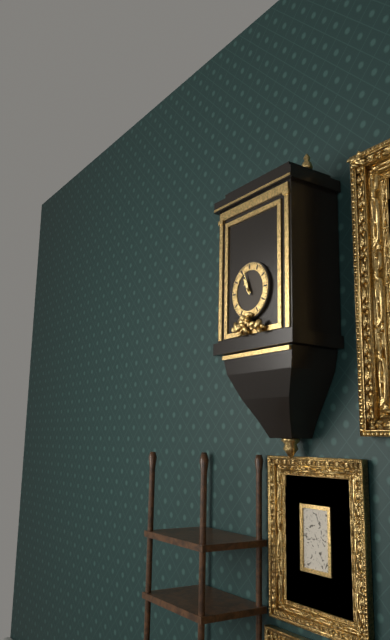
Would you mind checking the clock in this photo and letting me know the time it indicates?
10:57
